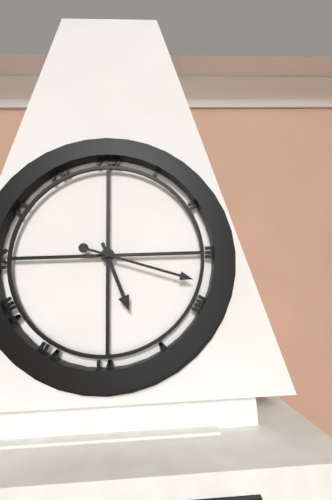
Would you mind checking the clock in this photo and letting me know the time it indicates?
5:18
